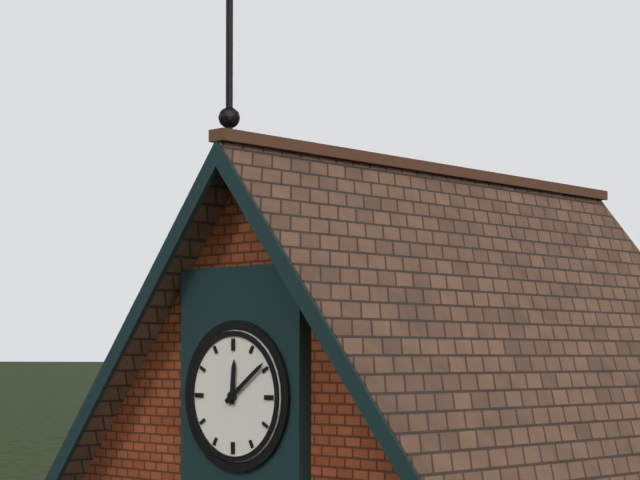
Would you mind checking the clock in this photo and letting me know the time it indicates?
12:09
